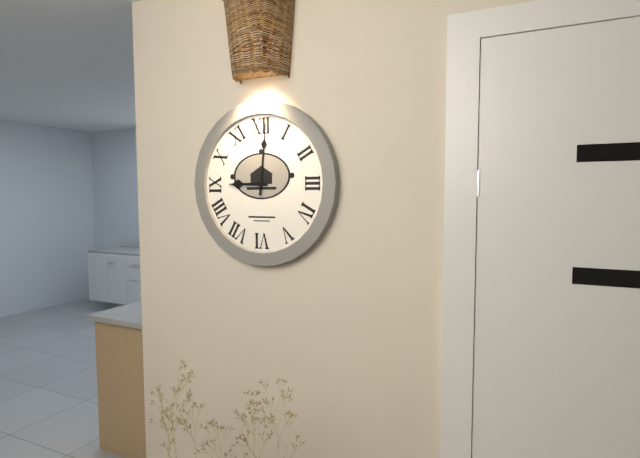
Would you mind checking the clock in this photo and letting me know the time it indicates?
9:01
